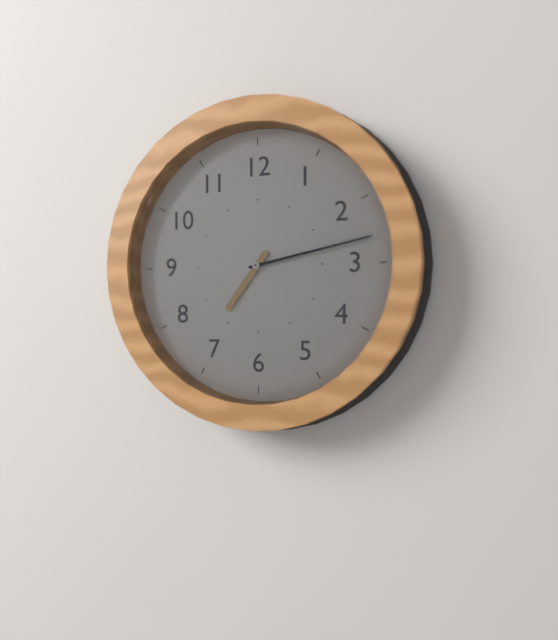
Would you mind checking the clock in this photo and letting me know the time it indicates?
7:13
